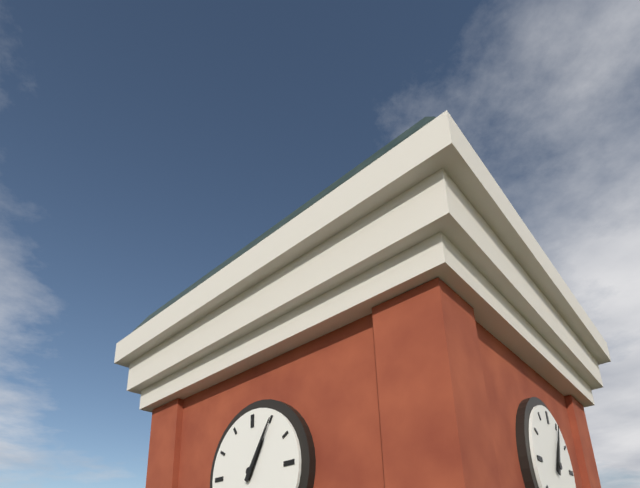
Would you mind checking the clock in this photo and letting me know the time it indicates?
1:05
